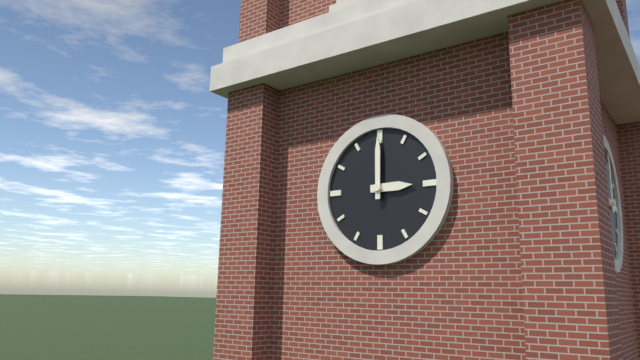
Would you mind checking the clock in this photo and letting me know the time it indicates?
3:00
